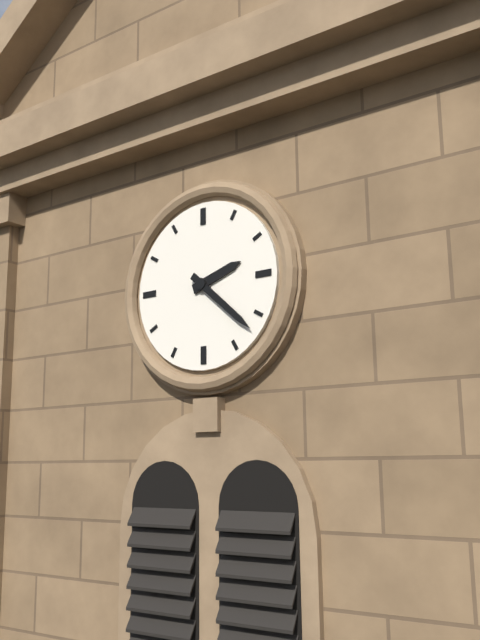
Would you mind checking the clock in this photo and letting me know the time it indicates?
2:22
